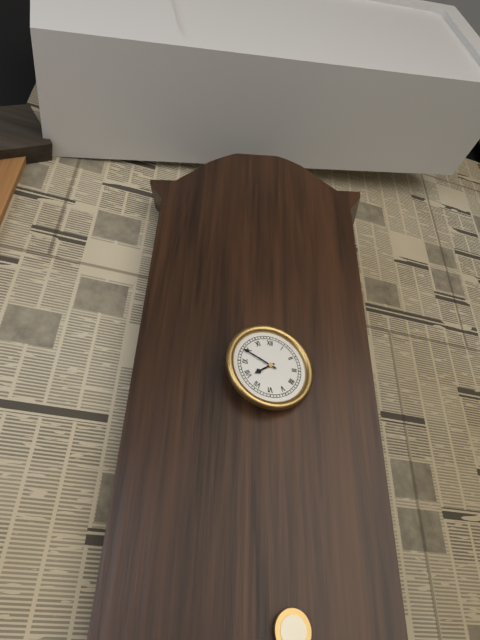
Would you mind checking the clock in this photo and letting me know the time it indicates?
7:49
